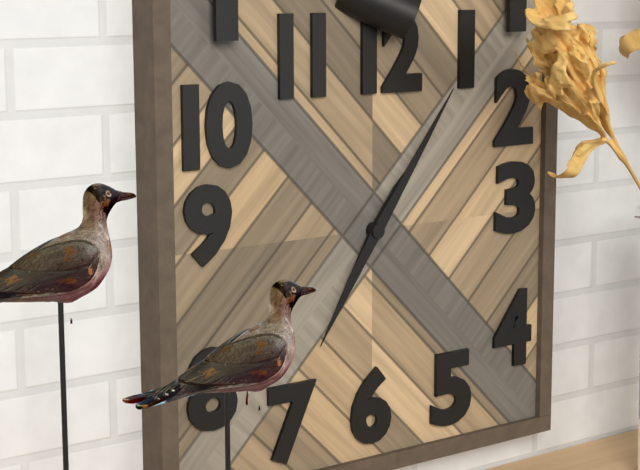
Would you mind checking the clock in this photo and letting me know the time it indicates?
7:06
